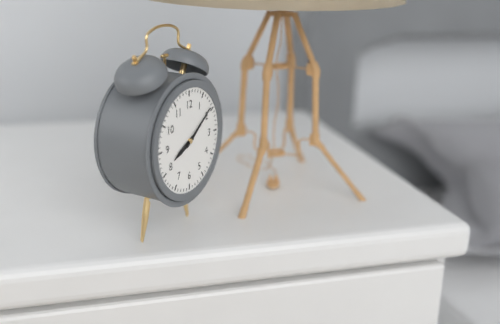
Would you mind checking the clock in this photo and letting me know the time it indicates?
8:09
